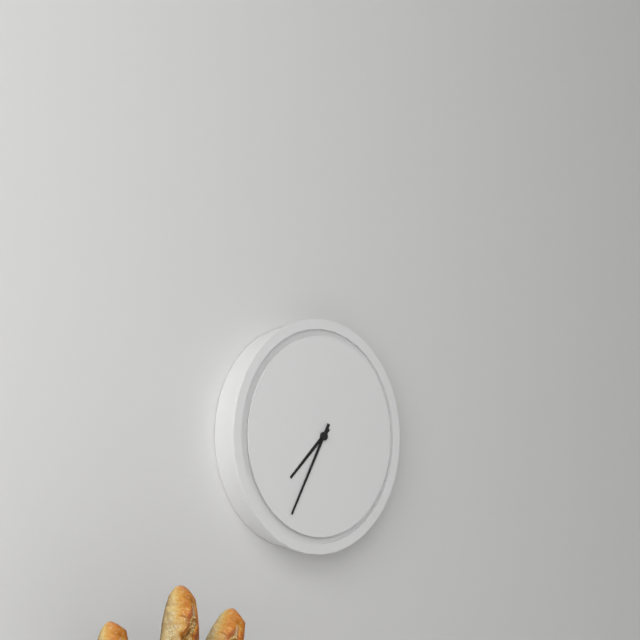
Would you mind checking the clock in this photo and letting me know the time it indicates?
7:35
